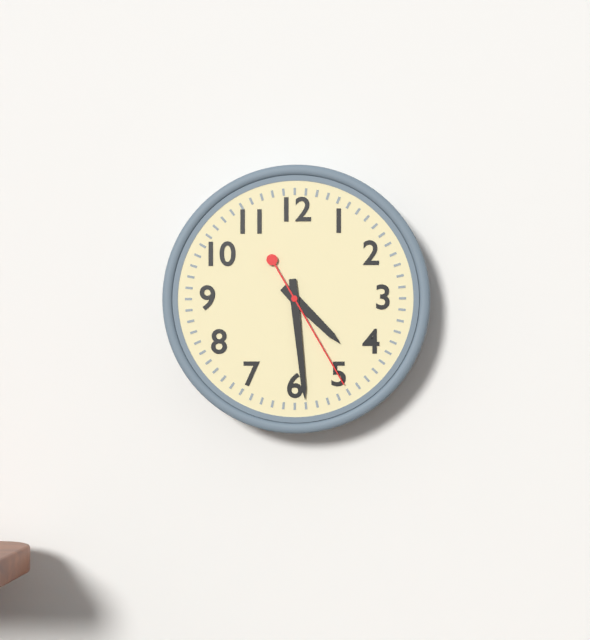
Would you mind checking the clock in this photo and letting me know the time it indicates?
4:29:25
